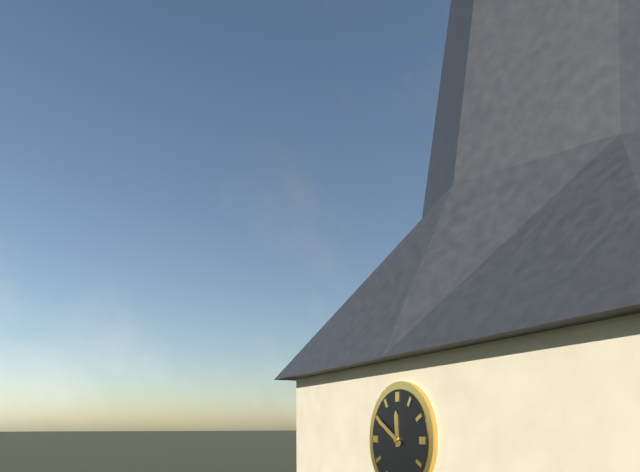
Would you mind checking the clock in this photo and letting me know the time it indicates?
11:50
